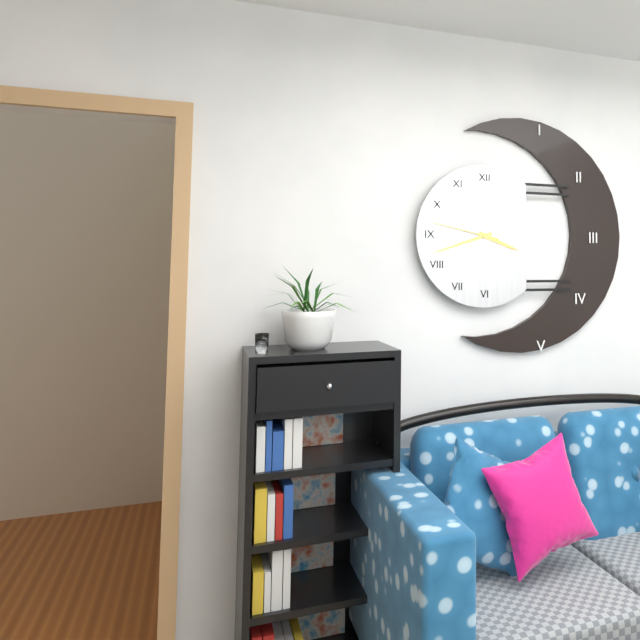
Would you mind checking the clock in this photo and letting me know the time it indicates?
3:42:47
